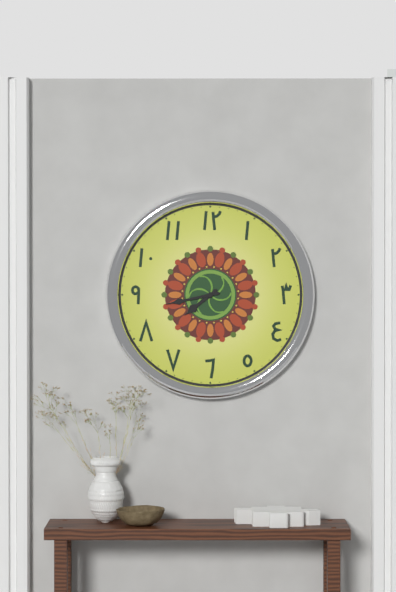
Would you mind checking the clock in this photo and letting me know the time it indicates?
7:43
